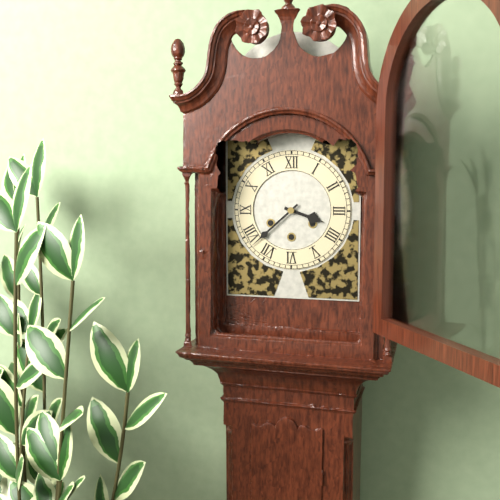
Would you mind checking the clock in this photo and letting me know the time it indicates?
3:38
